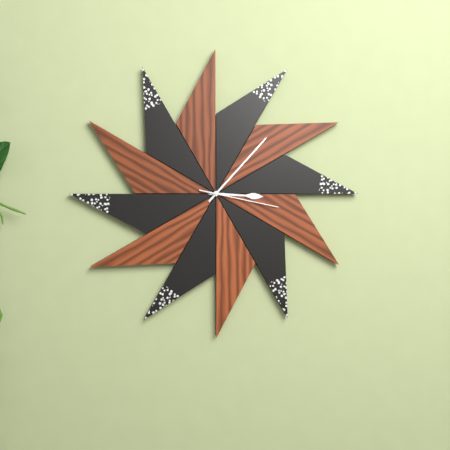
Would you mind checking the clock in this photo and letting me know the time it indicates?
3:07:17
